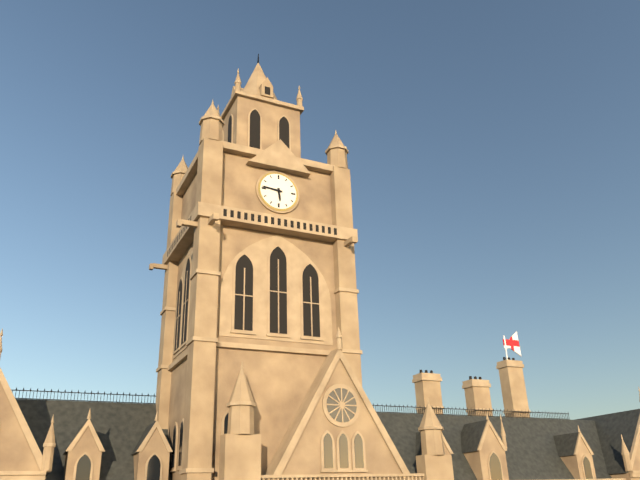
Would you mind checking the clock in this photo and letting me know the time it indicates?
5:46
